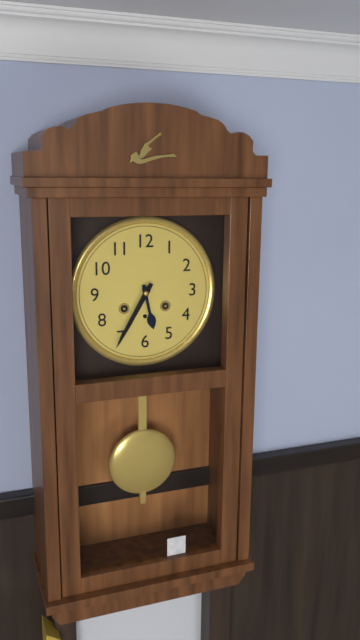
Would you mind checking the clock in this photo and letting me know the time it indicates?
5:35
